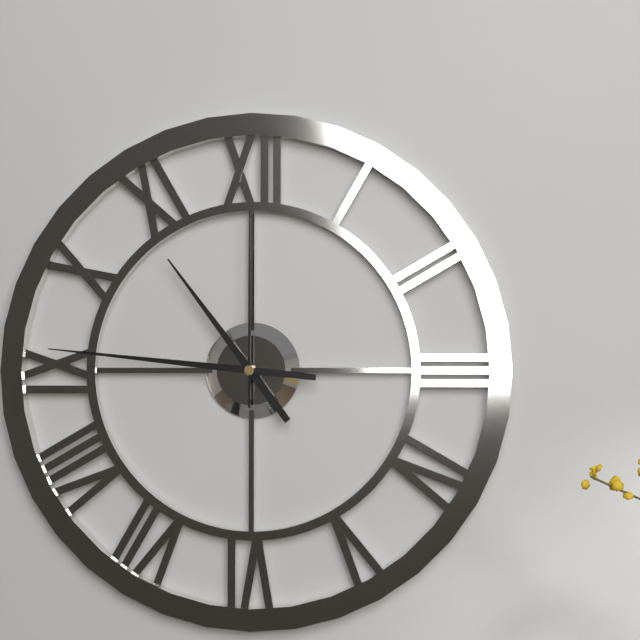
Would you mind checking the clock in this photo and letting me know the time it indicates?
10:46:00
